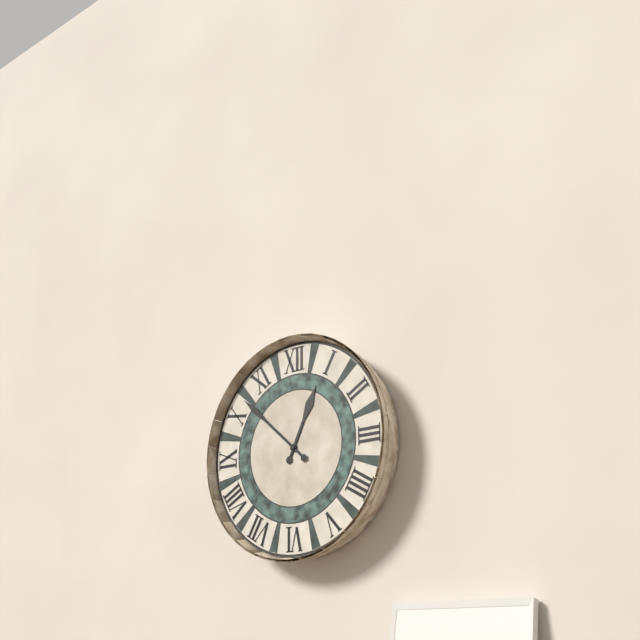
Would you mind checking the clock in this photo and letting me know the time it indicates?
12:52
